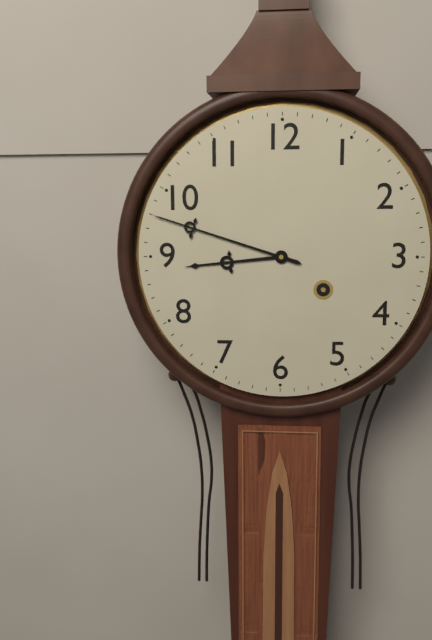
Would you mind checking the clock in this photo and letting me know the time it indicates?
8:48
